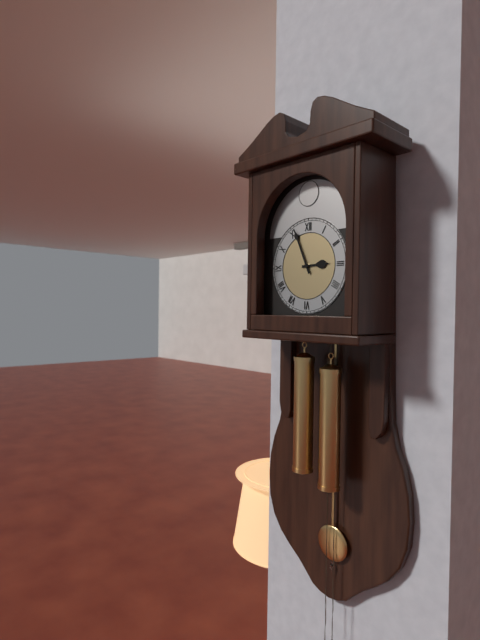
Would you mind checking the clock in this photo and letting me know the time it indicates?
2:56
